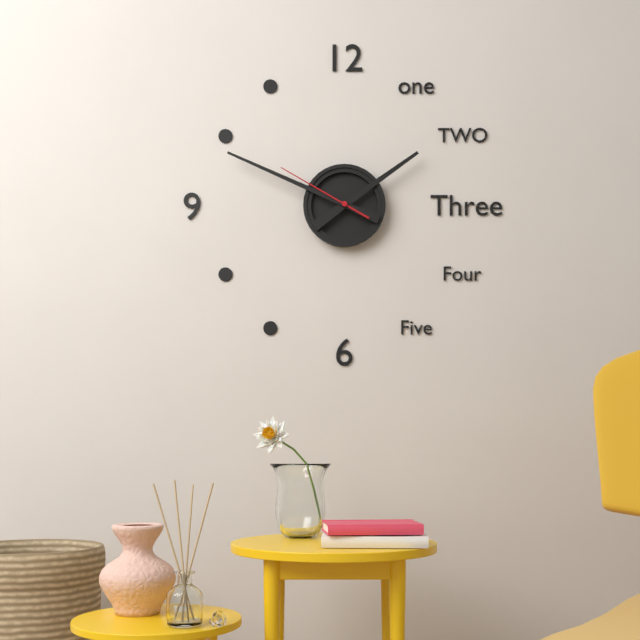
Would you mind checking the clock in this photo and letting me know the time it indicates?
1:49:50
